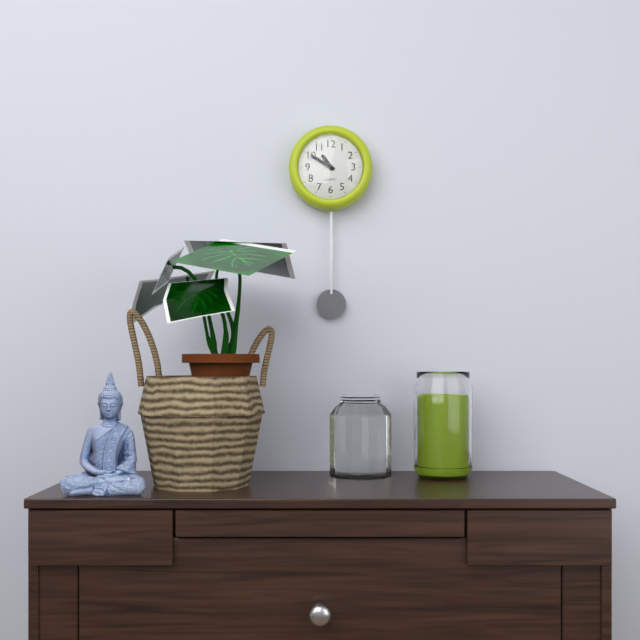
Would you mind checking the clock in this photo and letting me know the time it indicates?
10:50
